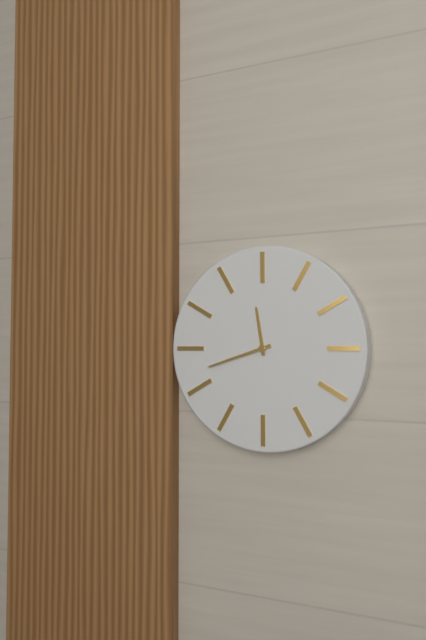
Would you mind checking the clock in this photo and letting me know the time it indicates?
11:42
